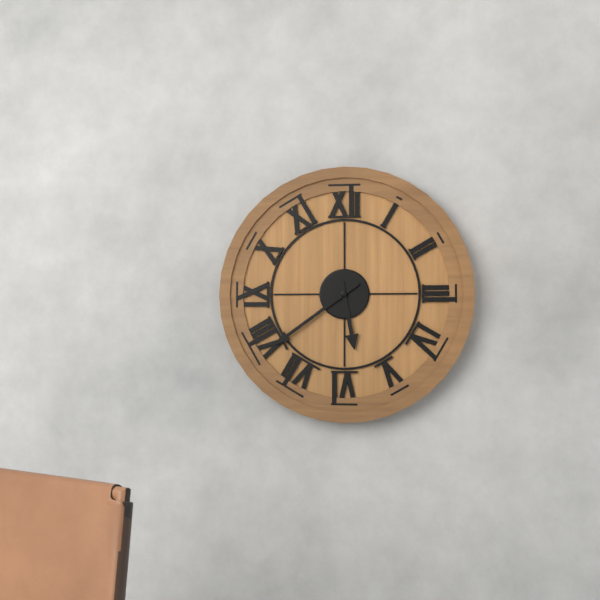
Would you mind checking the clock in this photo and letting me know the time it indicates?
5:39
